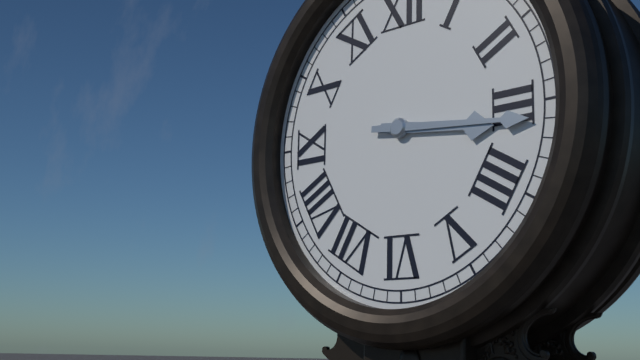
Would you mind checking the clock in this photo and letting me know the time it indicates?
3:16
